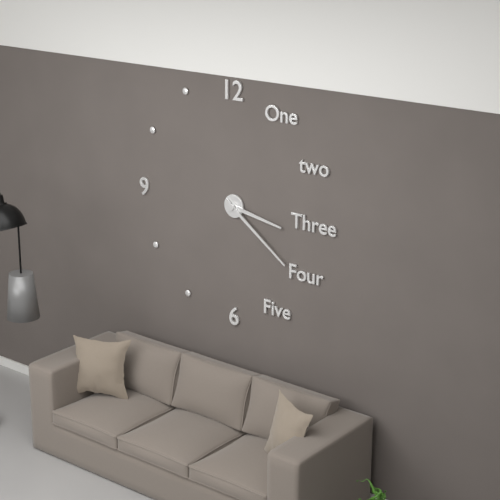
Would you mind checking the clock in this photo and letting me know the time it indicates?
3:21
